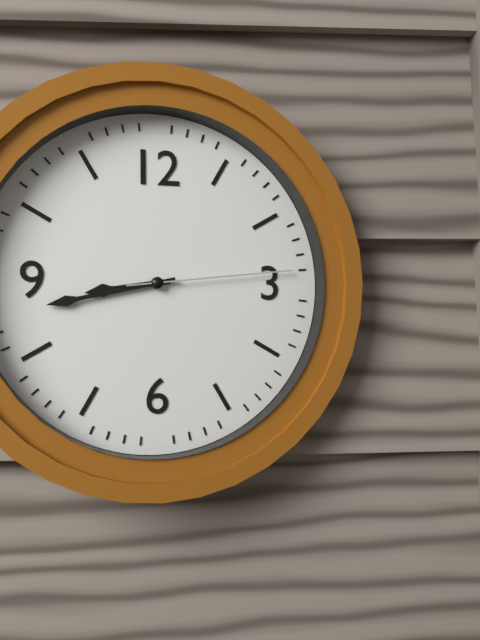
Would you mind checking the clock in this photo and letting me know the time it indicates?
8:43:14
